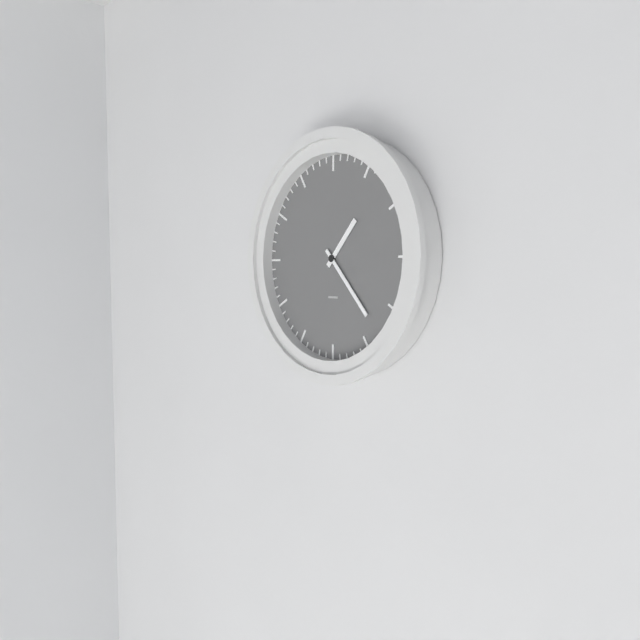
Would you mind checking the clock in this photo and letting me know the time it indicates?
1:23
